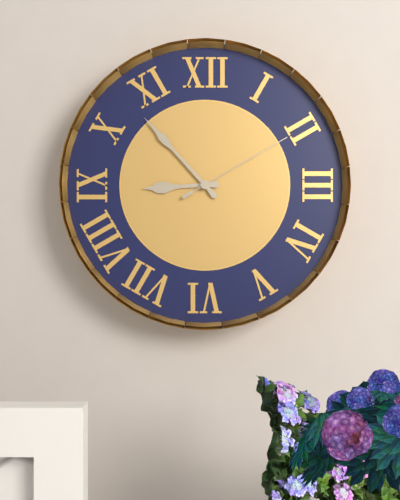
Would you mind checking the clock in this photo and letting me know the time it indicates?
8:53:10
